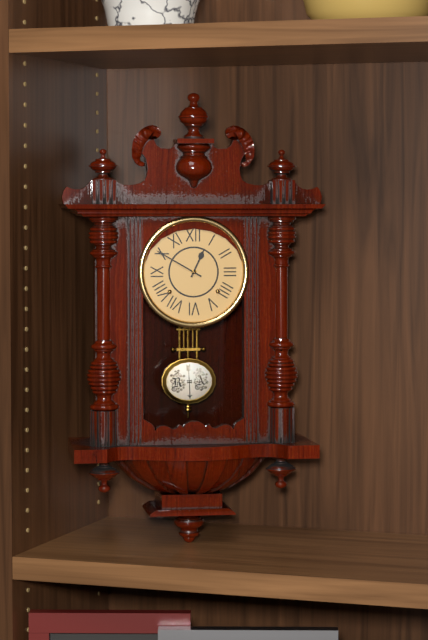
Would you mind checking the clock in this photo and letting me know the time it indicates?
12:50
